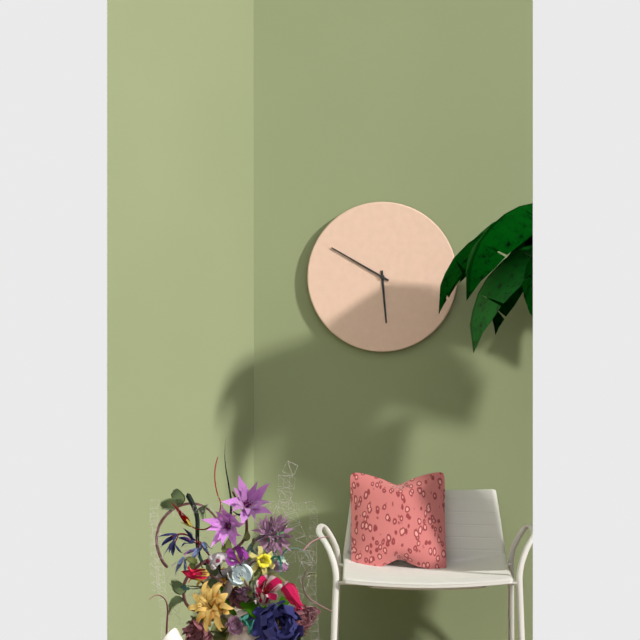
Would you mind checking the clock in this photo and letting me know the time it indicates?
5:50
